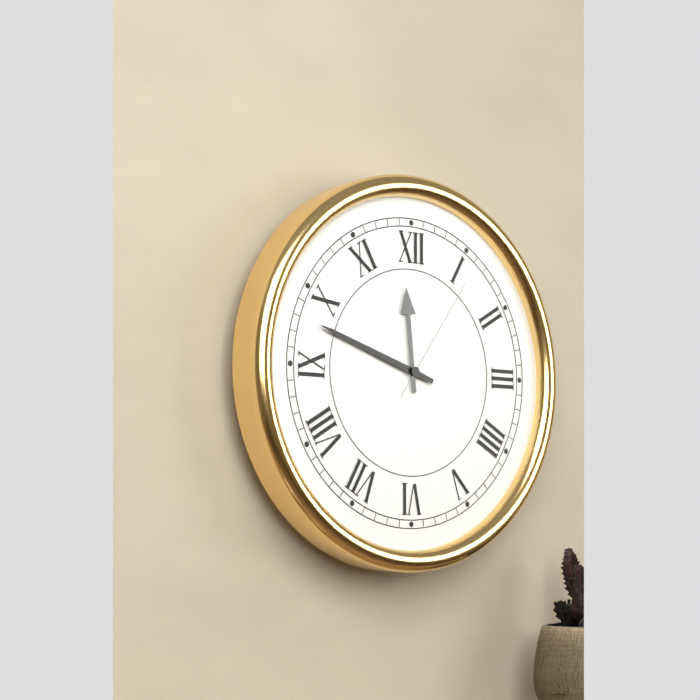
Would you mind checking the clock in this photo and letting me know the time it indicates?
11:48:06
